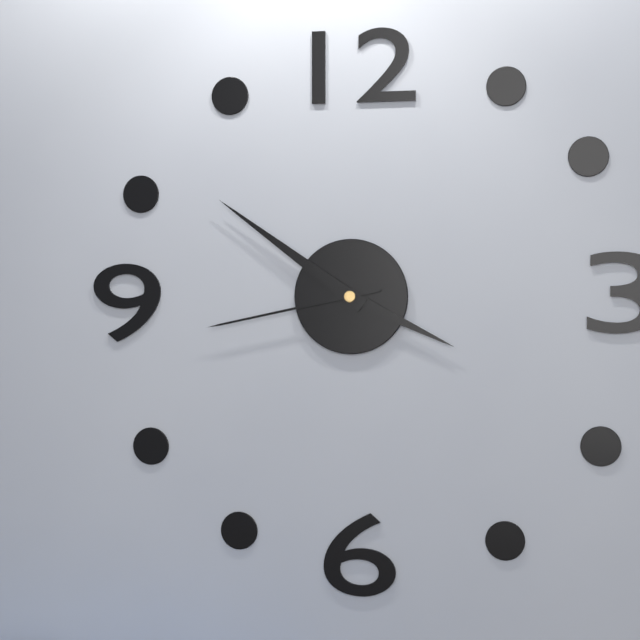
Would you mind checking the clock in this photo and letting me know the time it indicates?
3:51:43
